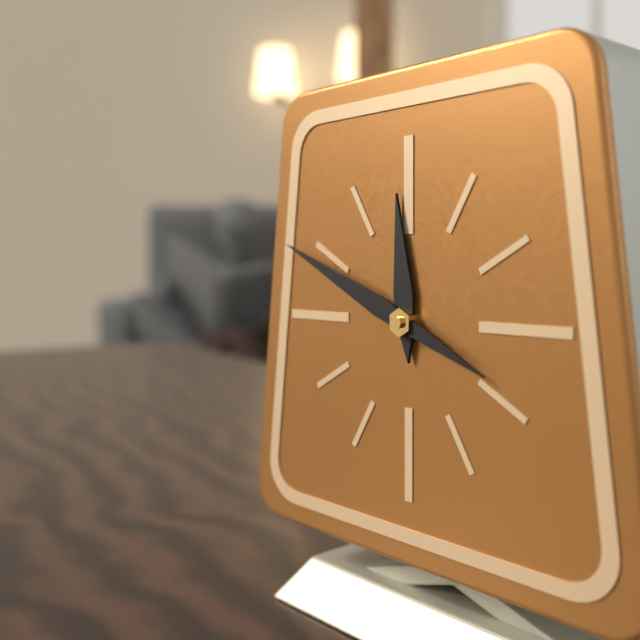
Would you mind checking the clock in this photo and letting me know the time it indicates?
11:49
